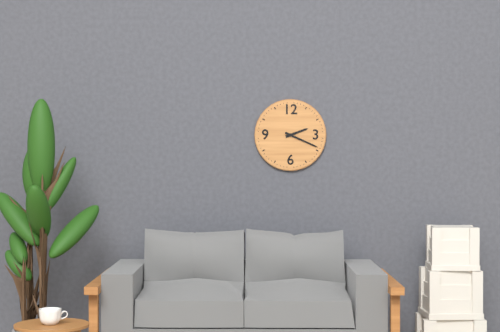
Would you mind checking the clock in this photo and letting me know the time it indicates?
2:19
